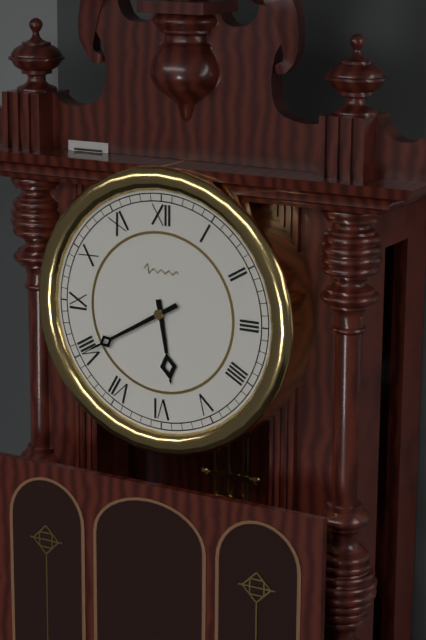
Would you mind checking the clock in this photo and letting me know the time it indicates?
5:40
